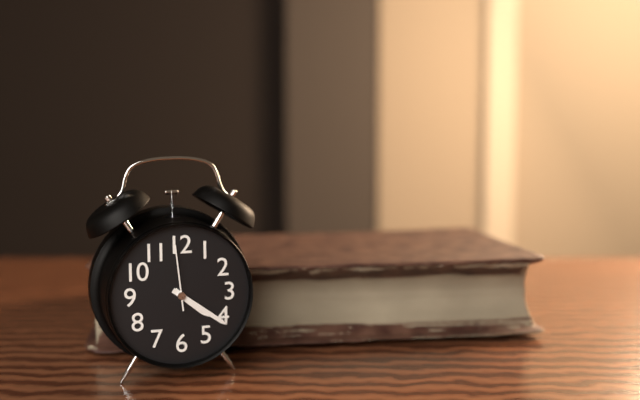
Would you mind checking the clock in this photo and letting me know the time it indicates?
4:21:59
